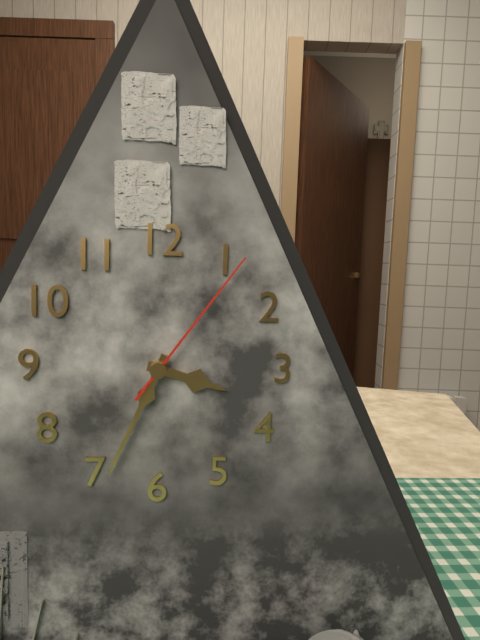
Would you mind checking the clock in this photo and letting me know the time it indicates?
3:34:06
